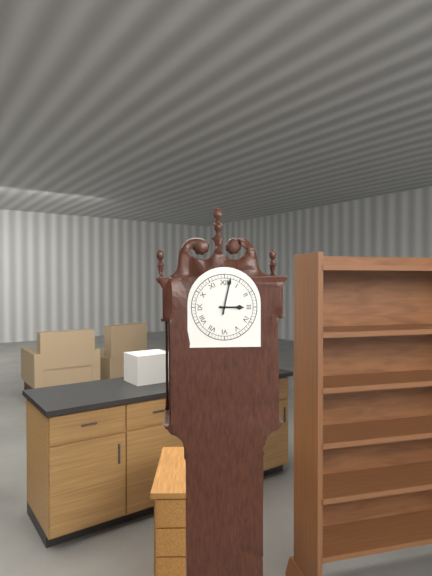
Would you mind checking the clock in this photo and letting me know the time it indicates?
3:02
